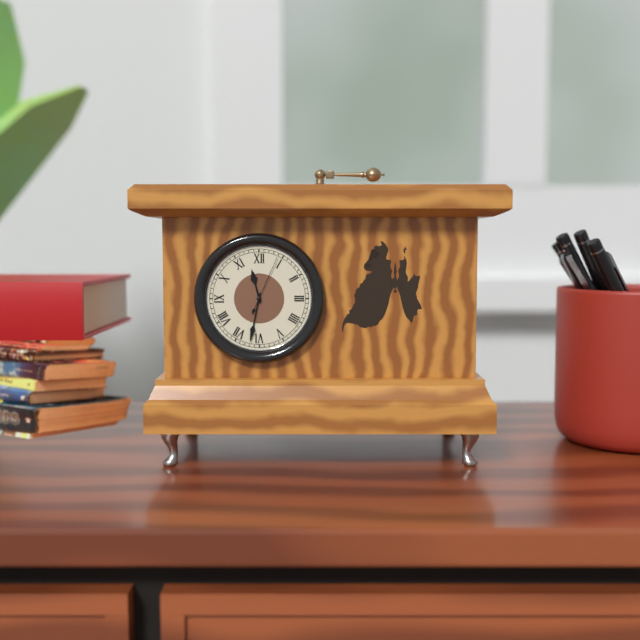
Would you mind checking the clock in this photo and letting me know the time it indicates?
11:32:04
